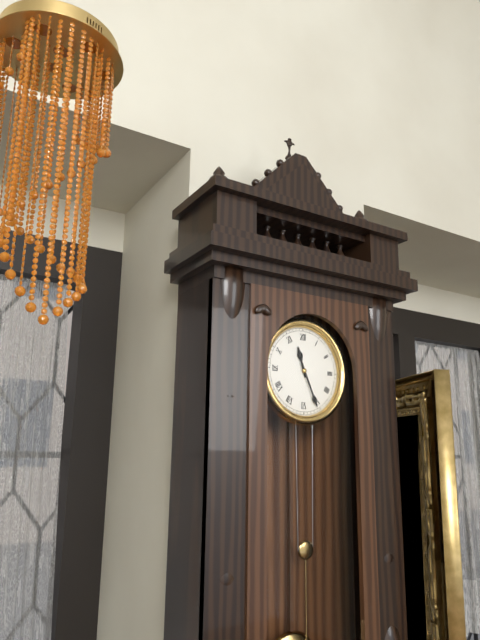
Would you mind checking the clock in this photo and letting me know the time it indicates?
11:26
